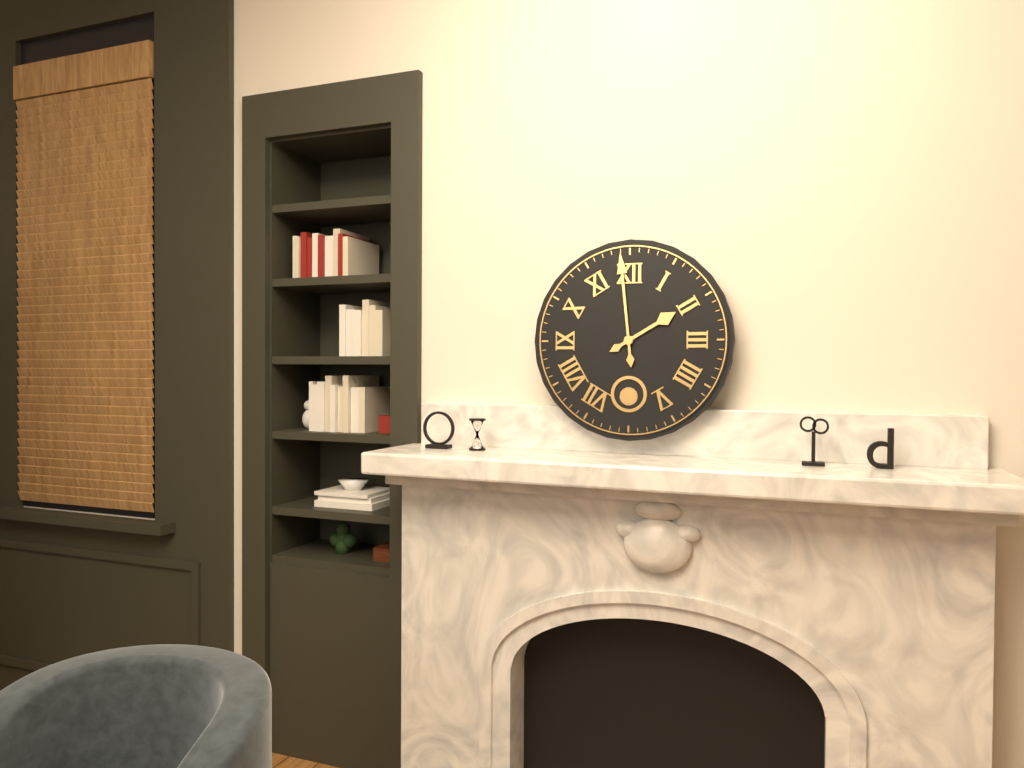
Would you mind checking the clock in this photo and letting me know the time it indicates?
1:59
